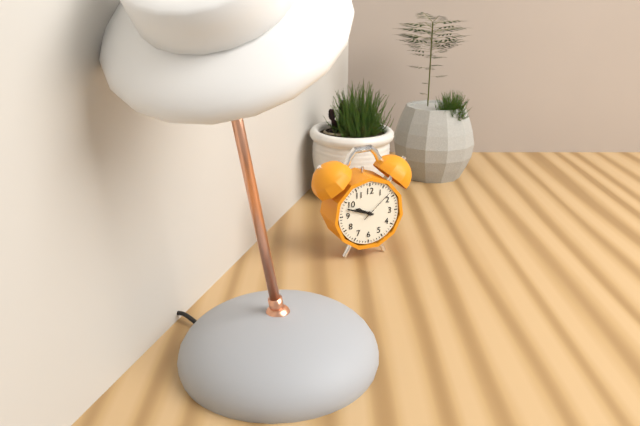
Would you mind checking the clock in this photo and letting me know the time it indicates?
9:48
